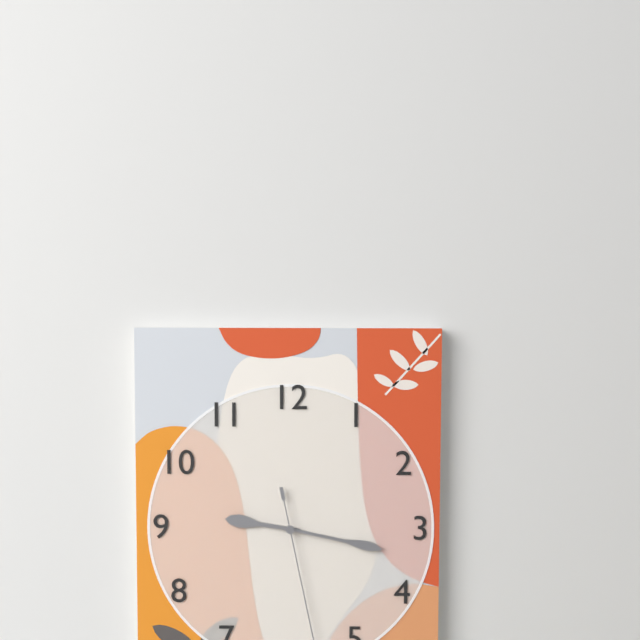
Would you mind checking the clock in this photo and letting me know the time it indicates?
9:17
